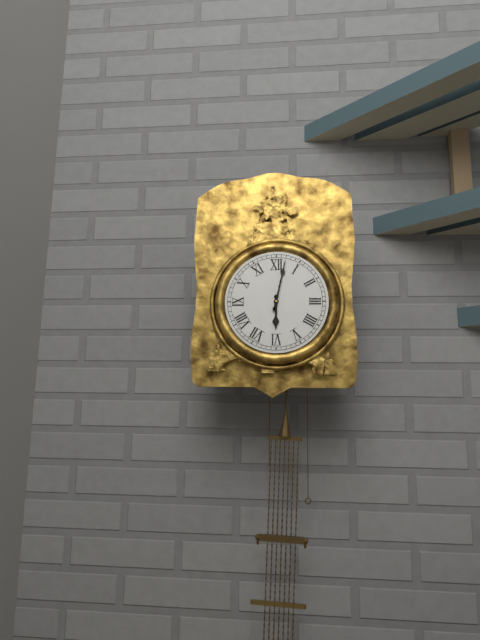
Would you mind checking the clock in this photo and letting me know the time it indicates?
6:02
